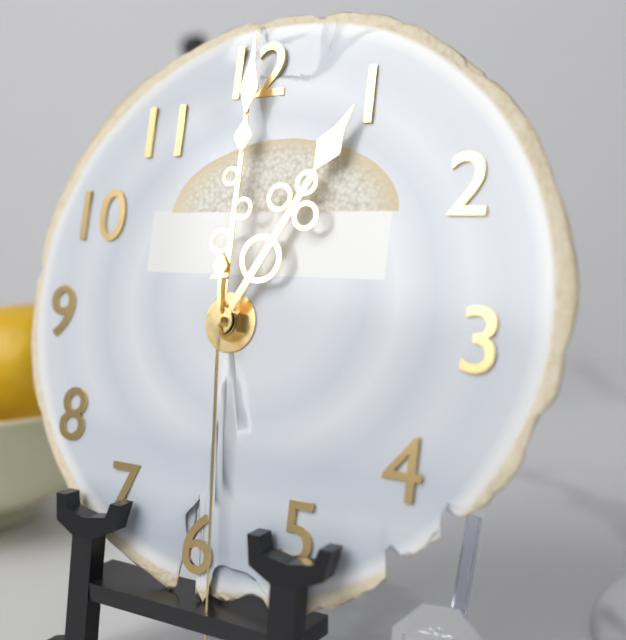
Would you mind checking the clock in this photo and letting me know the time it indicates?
1:00
